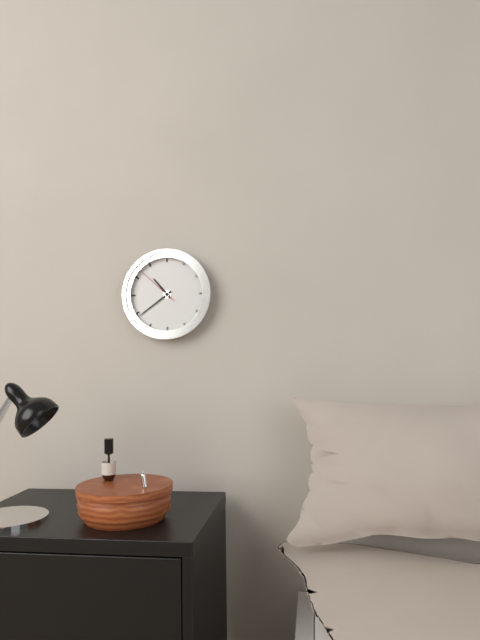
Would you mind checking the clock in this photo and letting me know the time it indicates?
10:39
